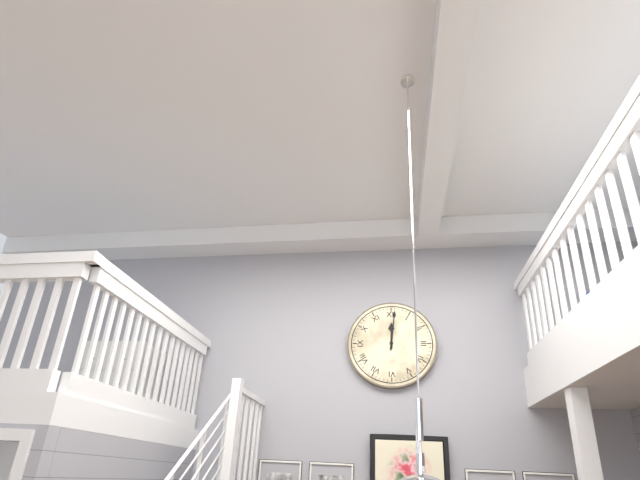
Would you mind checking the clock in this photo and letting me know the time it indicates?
12:01
